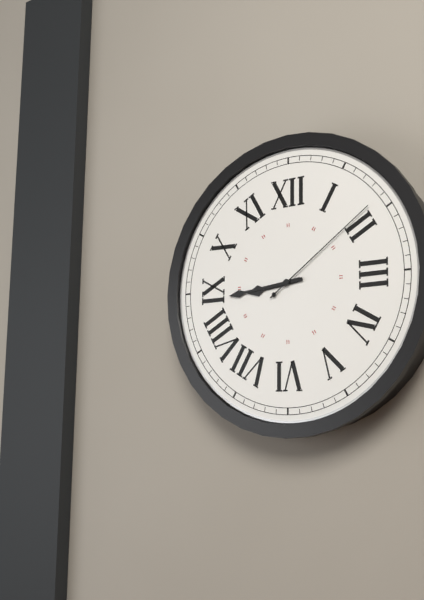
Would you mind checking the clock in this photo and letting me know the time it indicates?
8:44:09
